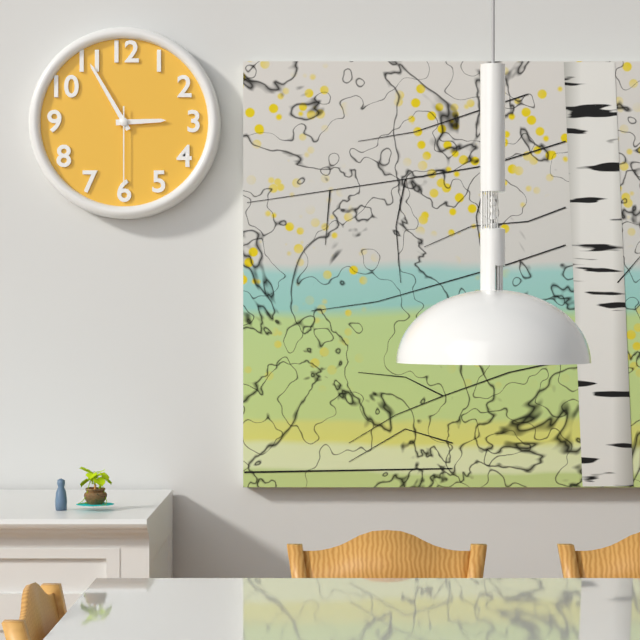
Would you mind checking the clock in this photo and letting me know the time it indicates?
2:55:30
